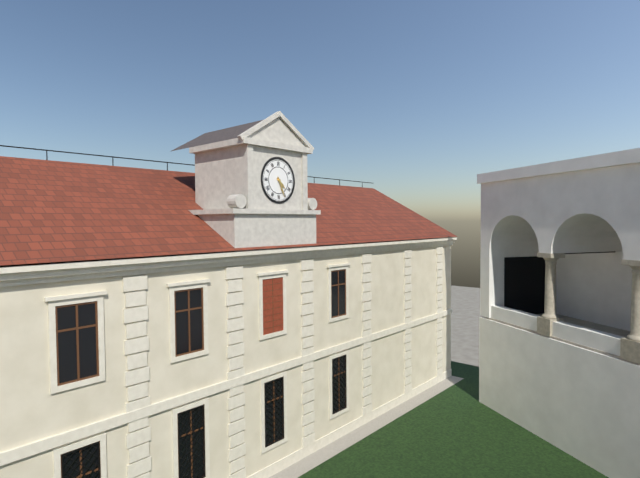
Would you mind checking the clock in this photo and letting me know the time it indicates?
4:26
